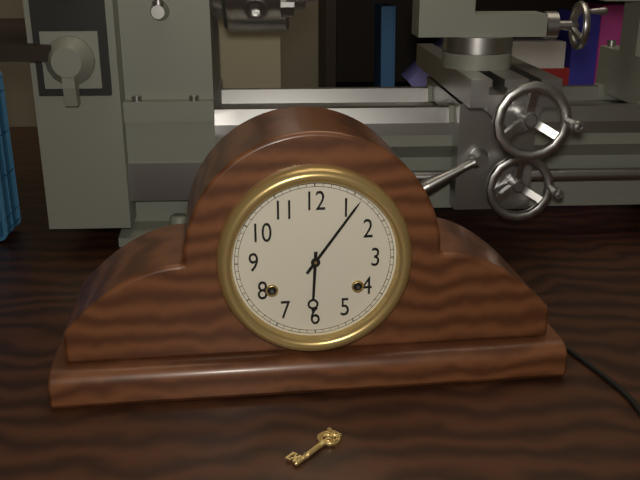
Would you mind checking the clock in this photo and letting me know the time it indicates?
6:06
